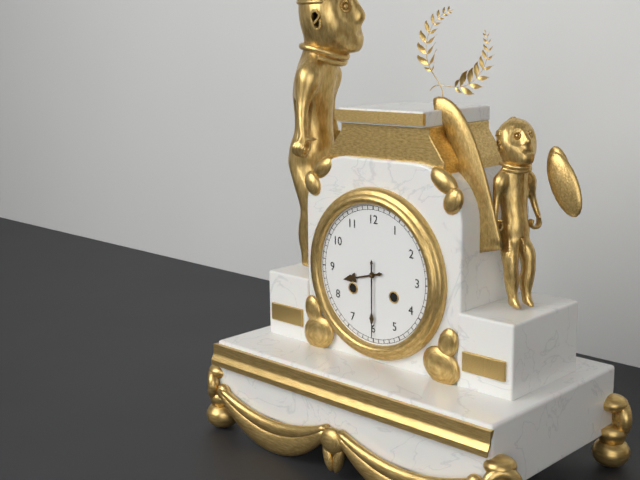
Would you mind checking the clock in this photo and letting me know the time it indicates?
8:30
